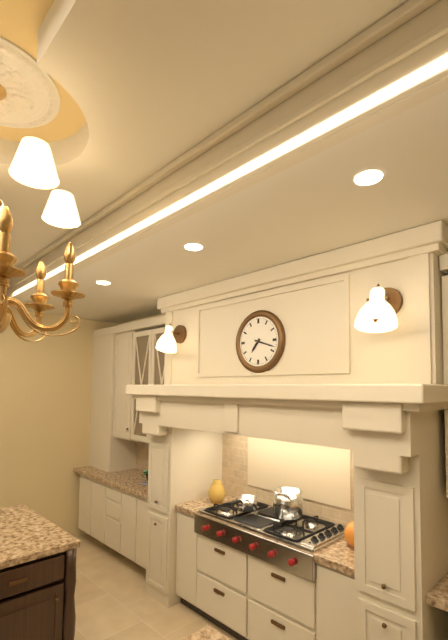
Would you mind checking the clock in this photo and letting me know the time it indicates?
7:18
